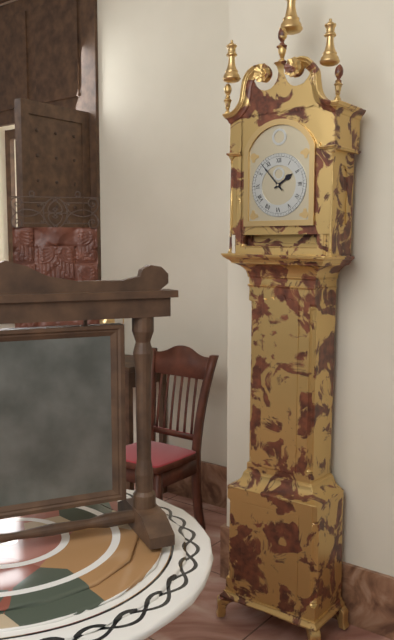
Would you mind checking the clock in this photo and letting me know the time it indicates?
1:53
